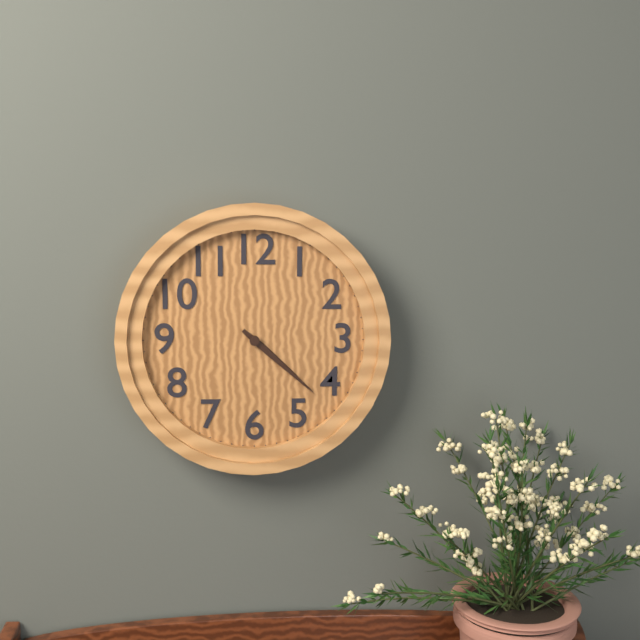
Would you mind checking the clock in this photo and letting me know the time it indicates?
4:22
